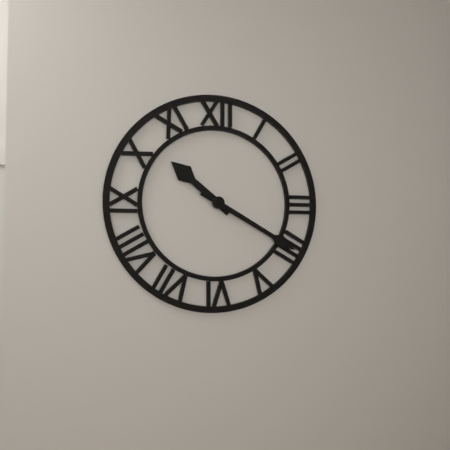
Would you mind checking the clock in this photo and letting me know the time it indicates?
10:20
